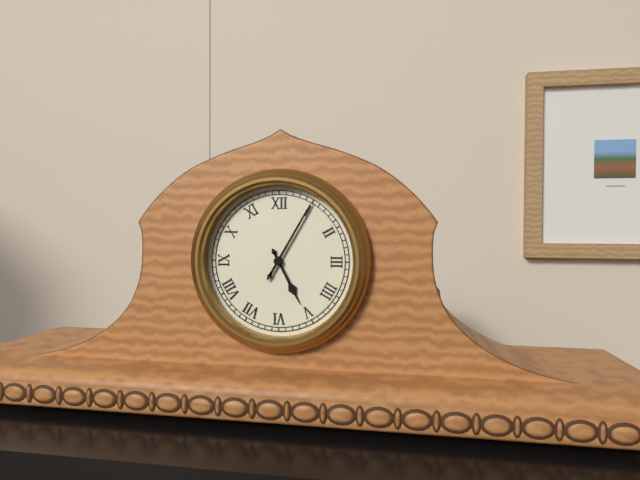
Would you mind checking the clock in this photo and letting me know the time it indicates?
5:05
